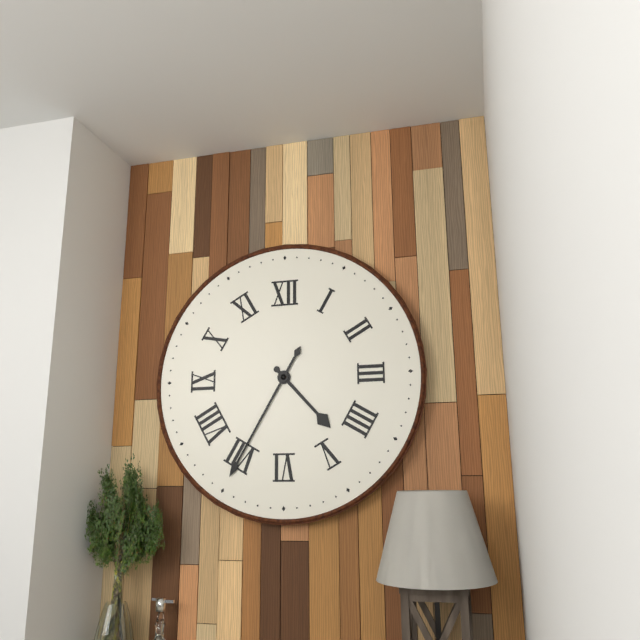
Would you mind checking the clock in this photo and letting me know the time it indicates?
4:35
